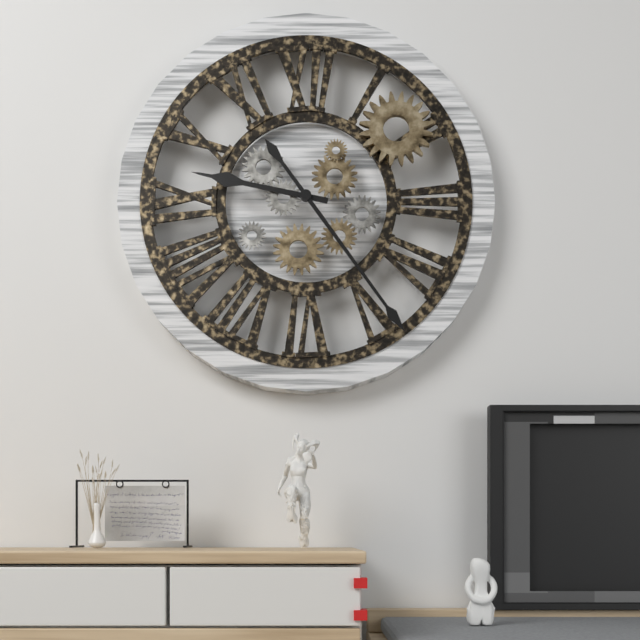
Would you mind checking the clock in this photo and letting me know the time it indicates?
9:24
